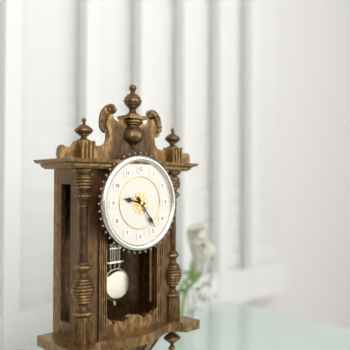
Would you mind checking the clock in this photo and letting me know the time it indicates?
9:24
